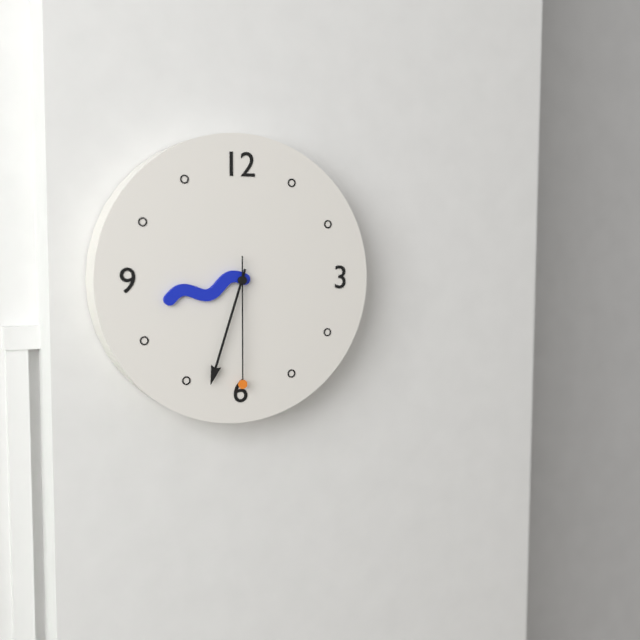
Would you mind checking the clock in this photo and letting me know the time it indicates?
8:33:30
